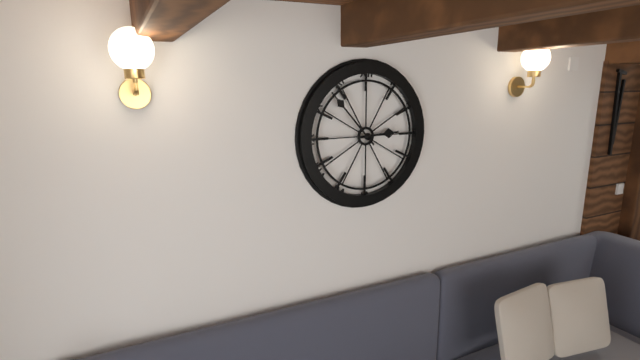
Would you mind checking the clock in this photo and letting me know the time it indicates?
2:53
